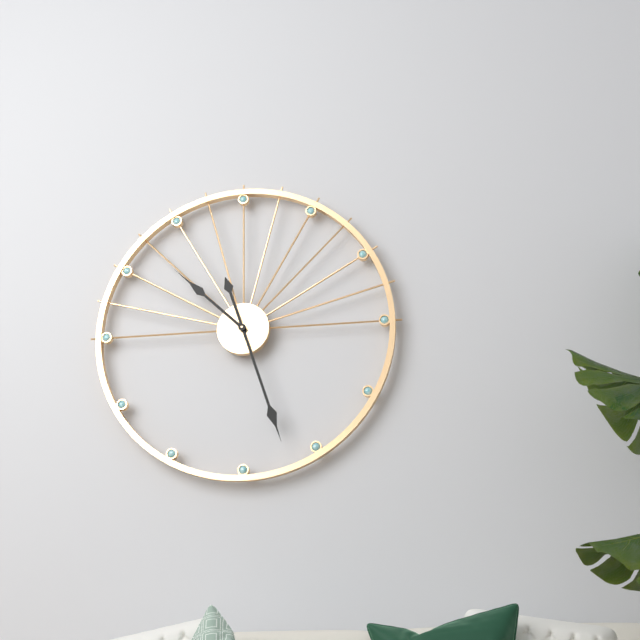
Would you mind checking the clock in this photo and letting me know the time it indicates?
10:27
